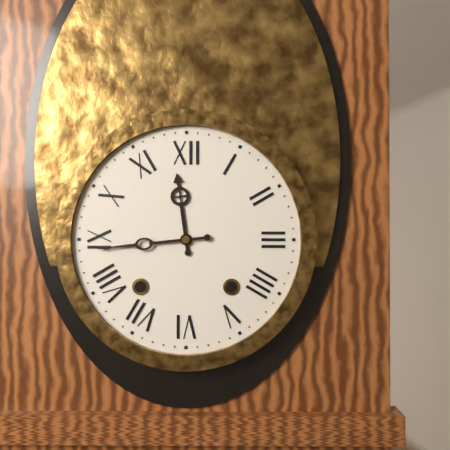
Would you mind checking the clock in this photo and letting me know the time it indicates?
11:44
